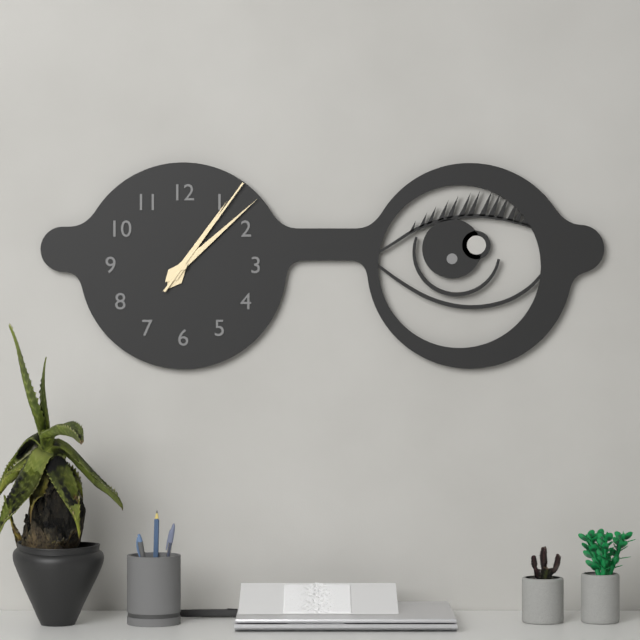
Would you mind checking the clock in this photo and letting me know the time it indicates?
1:08:06
